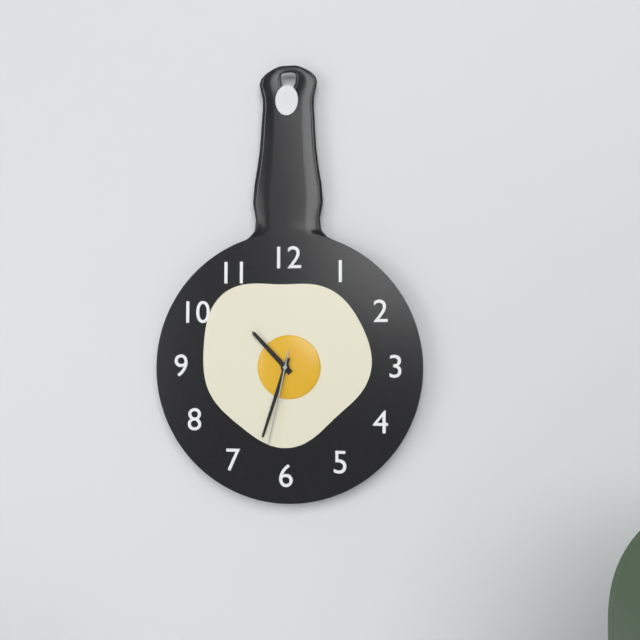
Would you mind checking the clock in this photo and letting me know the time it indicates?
10:33:32
